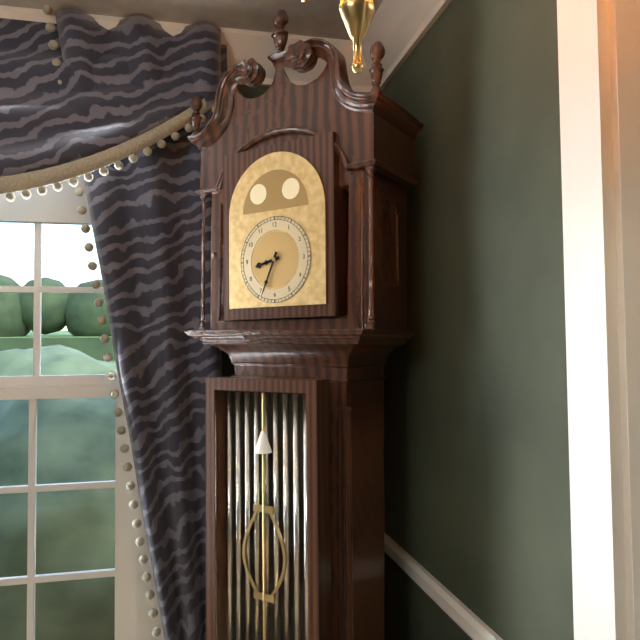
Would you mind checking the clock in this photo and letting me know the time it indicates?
8:34
